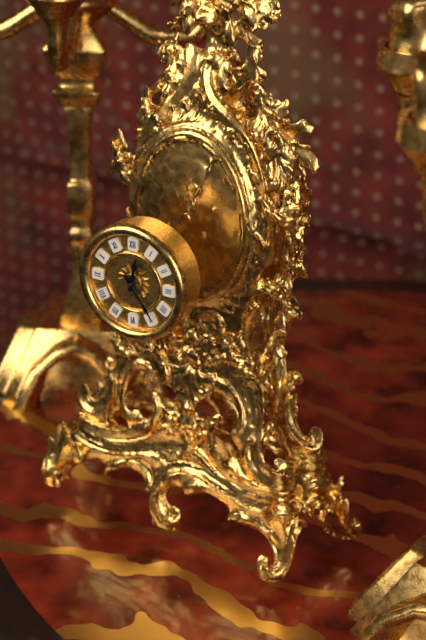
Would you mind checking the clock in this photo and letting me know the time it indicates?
12:24
